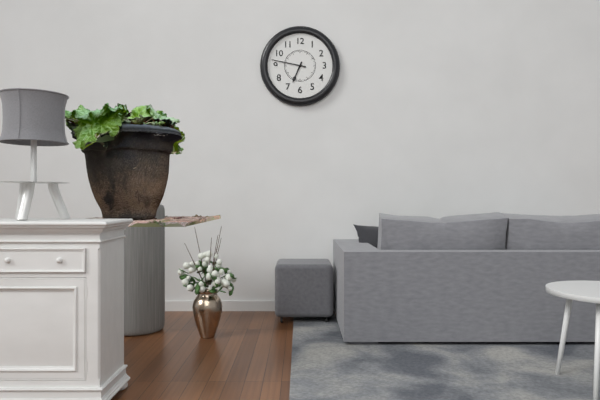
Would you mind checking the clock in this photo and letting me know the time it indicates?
6:47
